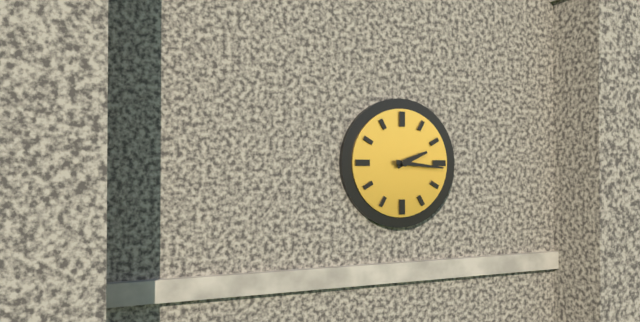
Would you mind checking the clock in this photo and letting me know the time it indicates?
2:16
